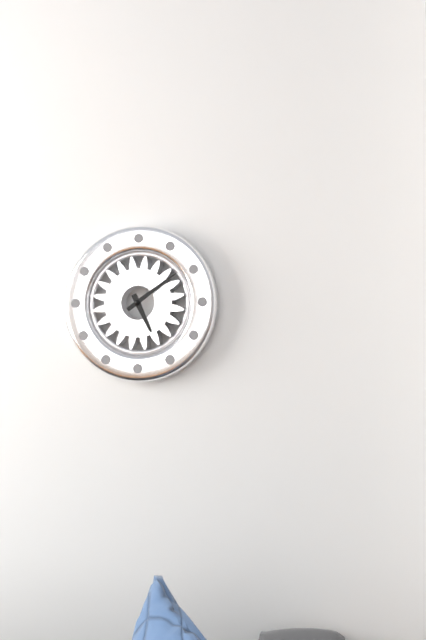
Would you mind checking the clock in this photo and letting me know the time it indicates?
5:09
